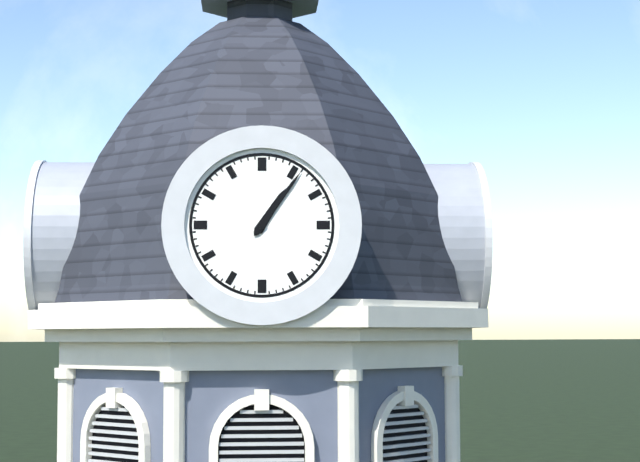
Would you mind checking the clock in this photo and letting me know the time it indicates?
1:06
